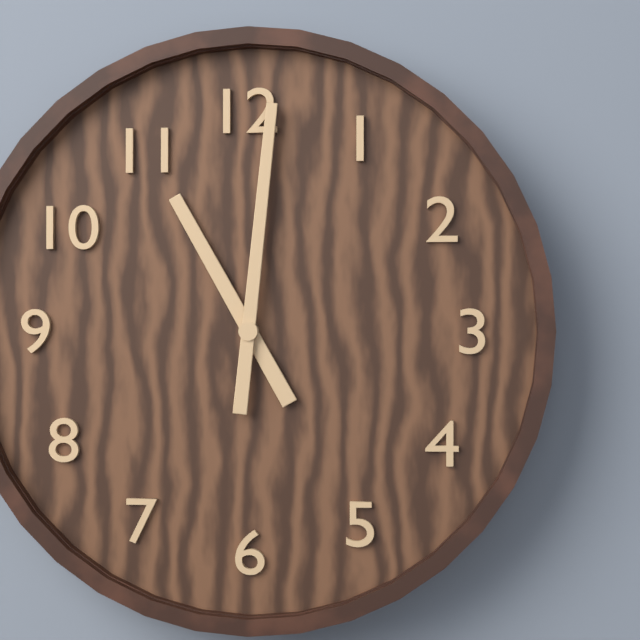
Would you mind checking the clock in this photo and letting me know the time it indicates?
11:01
